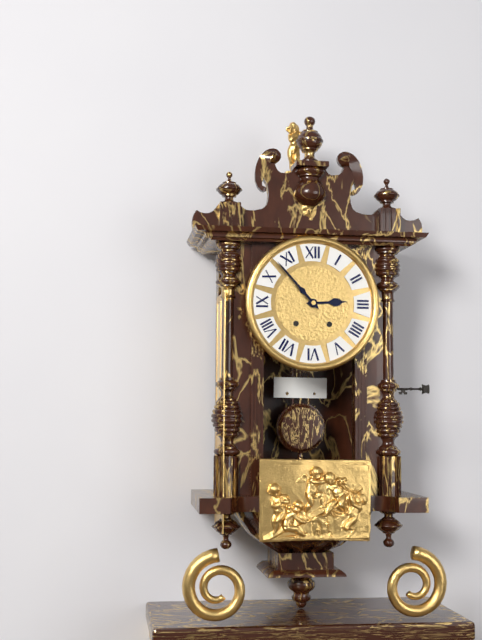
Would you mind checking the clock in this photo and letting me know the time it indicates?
2:53
